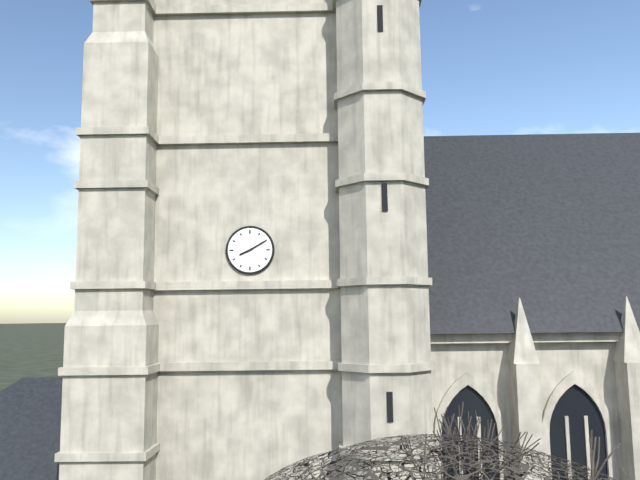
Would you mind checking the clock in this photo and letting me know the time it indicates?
8:10
